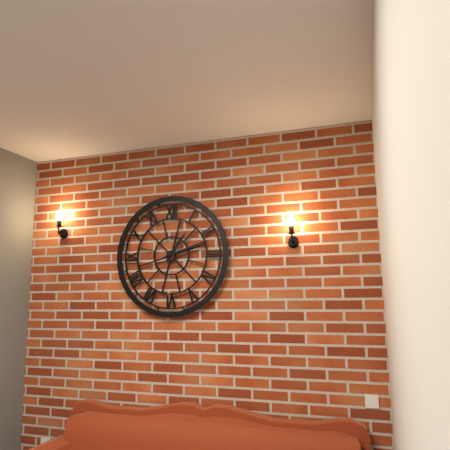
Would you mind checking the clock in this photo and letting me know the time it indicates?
1:12
